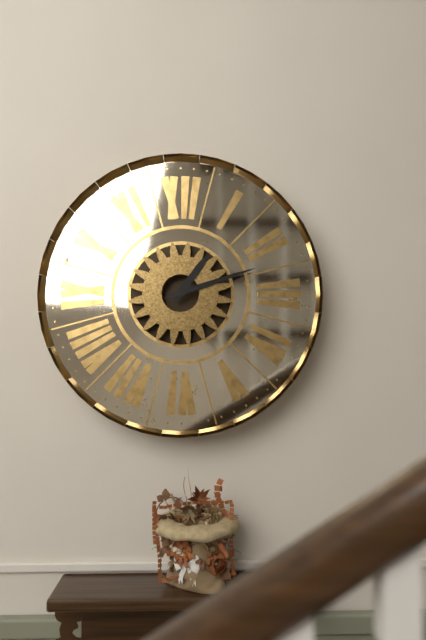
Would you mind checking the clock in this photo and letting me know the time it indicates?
1:12
